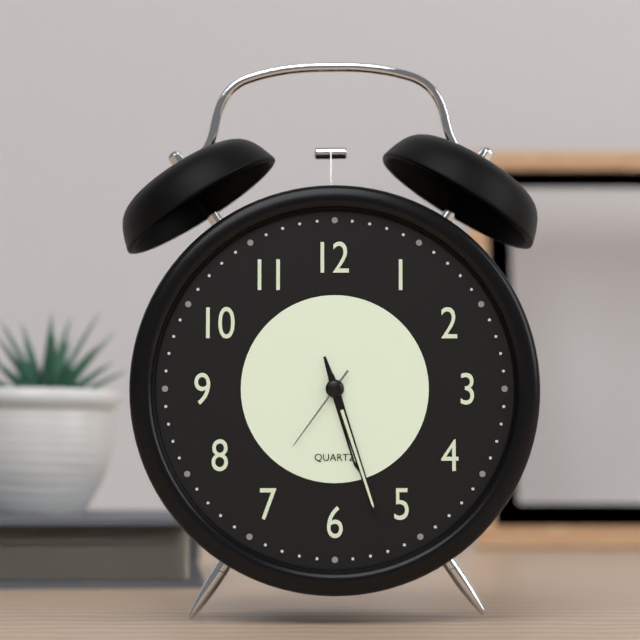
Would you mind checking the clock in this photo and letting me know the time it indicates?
5:27:36
